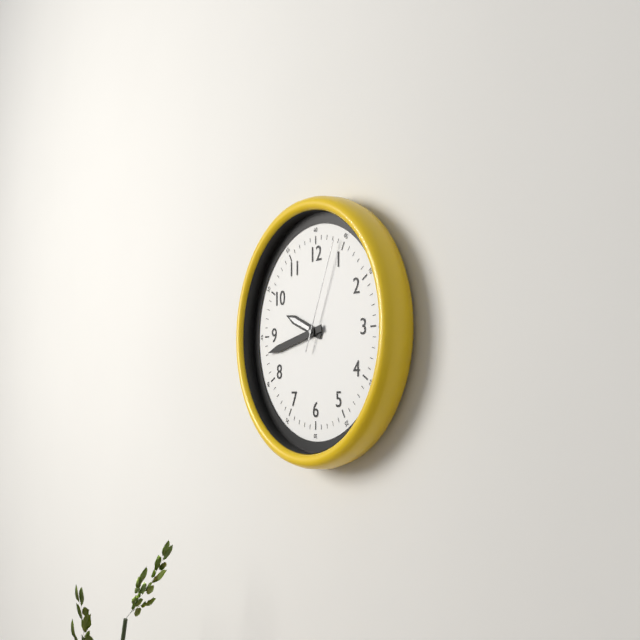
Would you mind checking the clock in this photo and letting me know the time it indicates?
9:43:04
